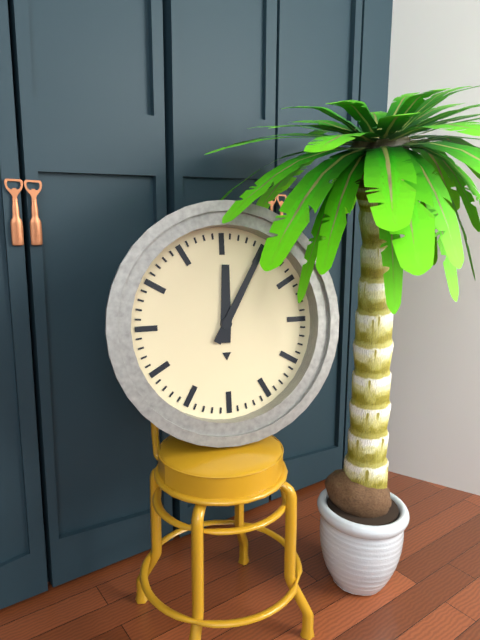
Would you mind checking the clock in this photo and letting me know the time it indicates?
12:05
